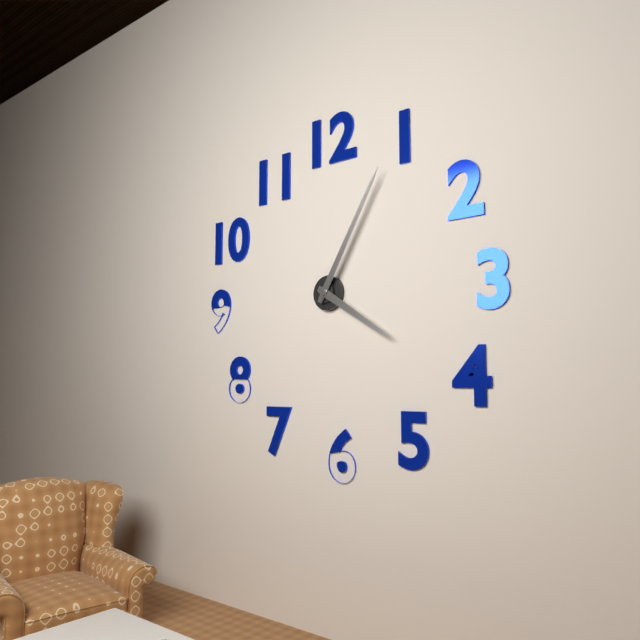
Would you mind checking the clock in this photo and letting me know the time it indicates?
4:05
